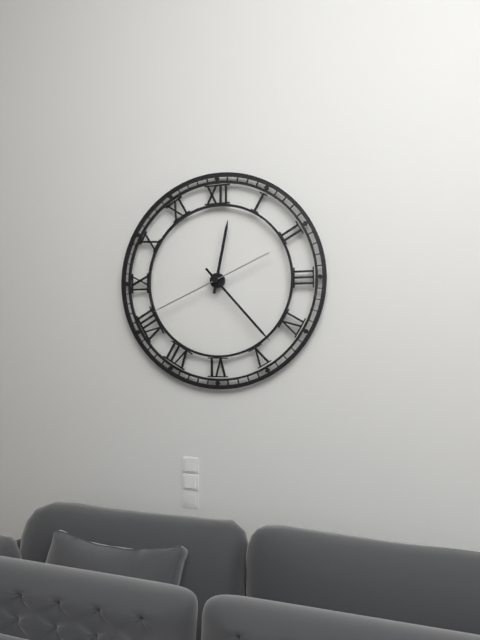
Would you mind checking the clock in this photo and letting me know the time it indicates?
12:23:41
